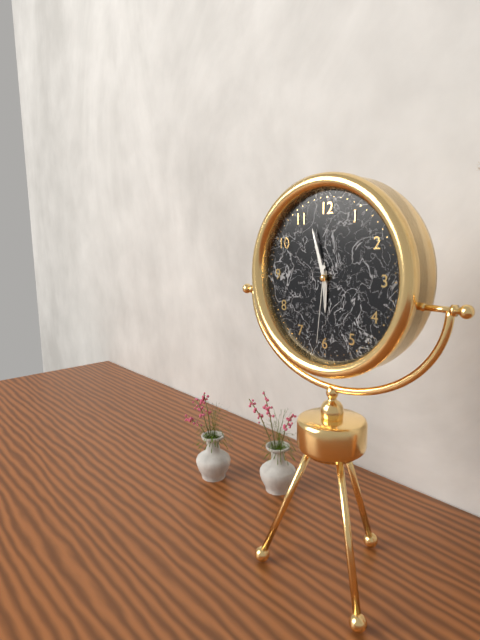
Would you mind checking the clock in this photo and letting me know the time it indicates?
5:57:31
